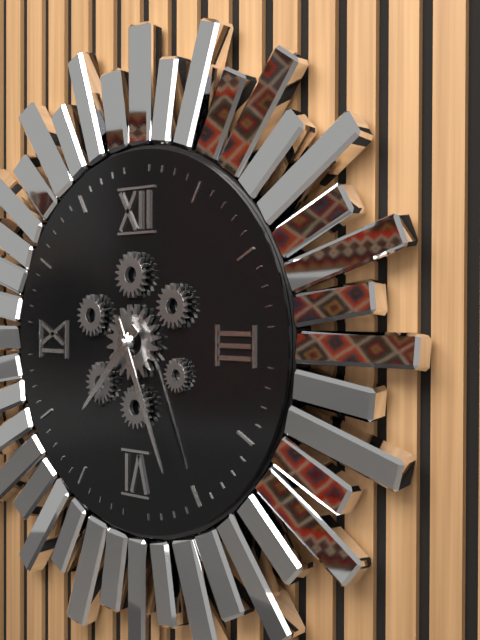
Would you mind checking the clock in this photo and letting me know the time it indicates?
7:26
